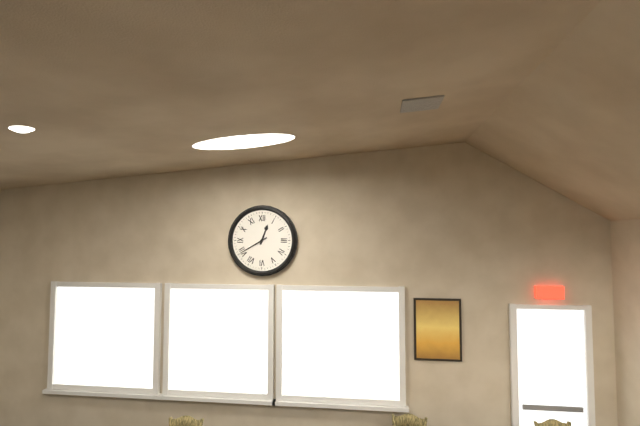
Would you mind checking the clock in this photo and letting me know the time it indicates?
12:40
